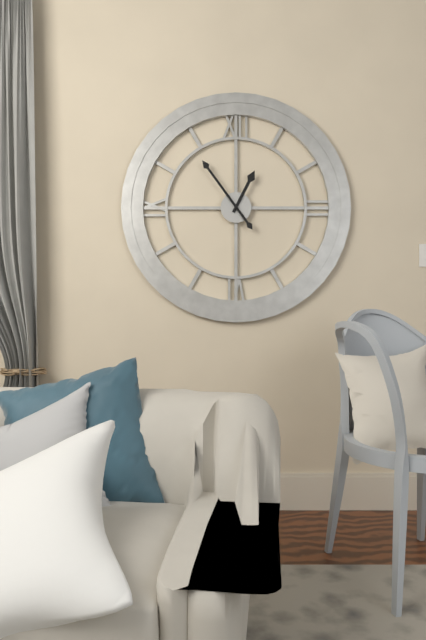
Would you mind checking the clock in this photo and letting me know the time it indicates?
12:54
